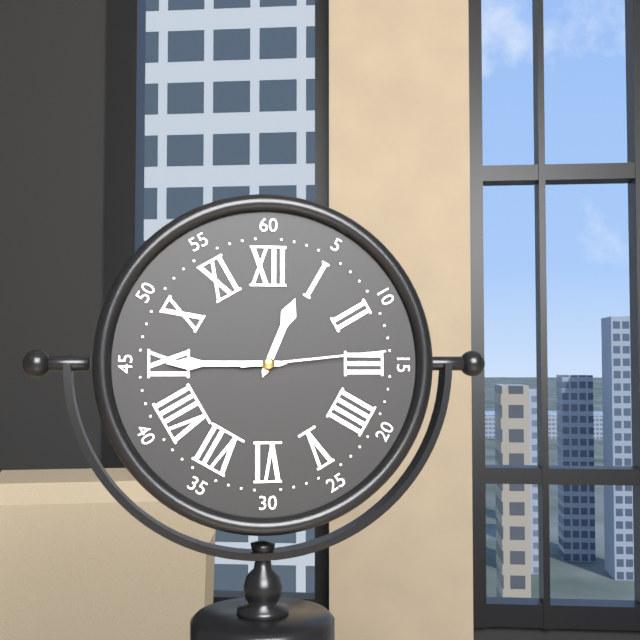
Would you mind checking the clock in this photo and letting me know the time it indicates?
12:45:14
